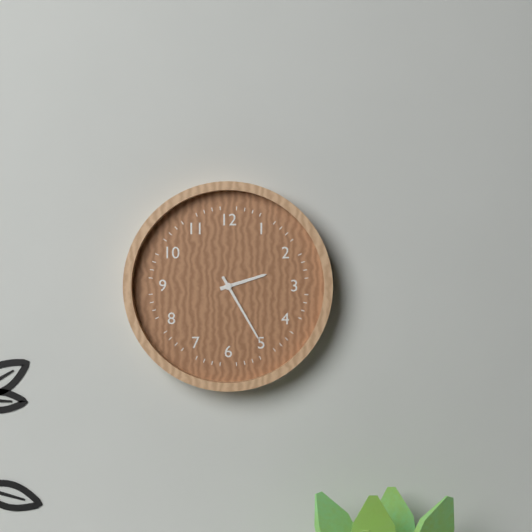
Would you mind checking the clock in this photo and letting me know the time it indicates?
2:25
